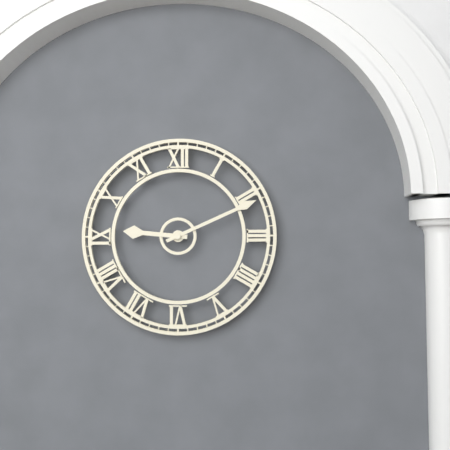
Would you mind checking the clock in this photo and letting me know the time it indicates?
9:11
